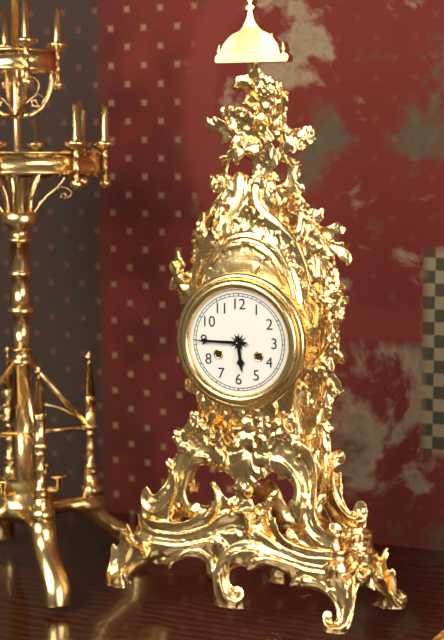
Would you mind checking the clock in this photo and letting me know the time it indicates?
5:45
